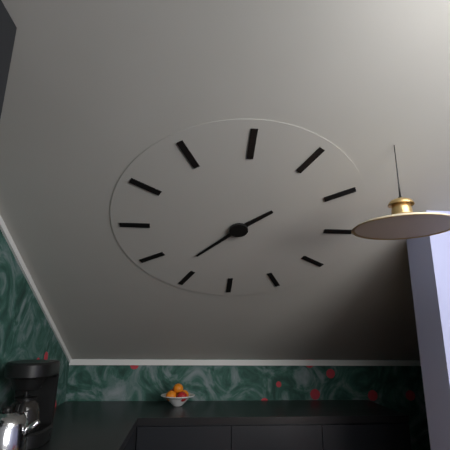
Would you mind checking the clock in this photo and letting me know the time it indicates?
1:37
